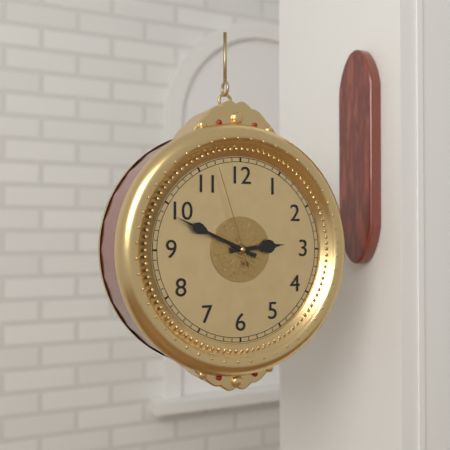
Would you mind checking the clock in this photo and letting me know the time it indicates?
2:49:57
